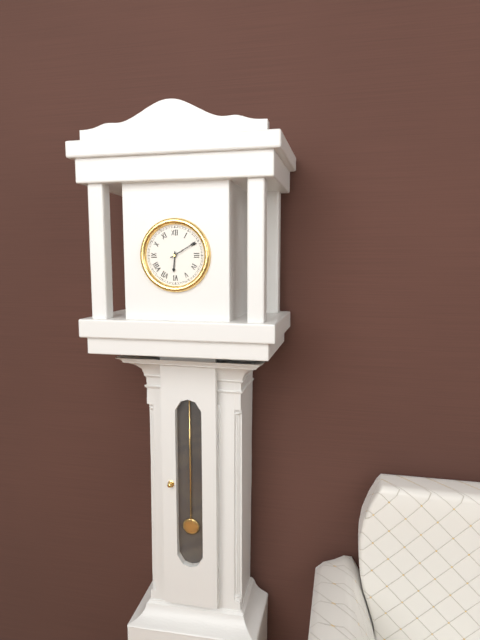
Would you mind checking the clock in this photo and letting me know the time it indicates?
6:10
